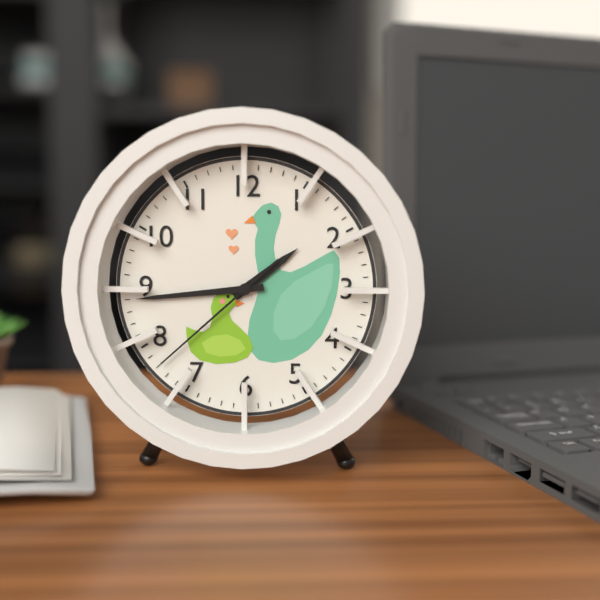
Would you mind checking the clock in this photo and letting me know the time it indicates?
1:44:38
